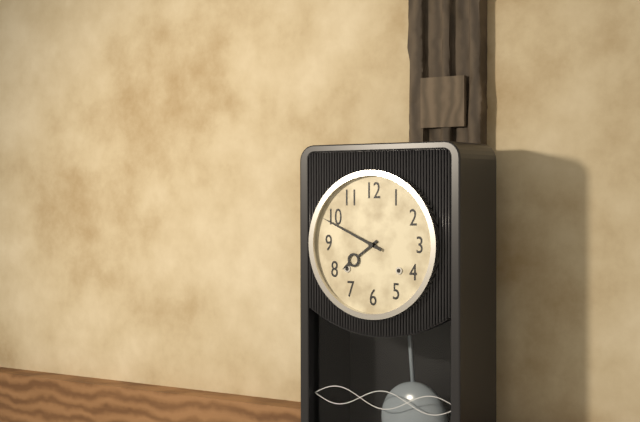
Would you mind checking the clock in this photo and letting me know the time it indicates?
7:49
